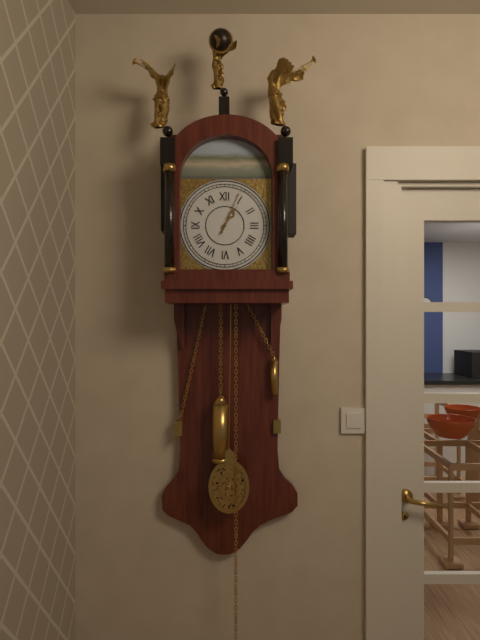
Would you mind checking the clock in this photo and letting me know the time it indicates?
1:04
